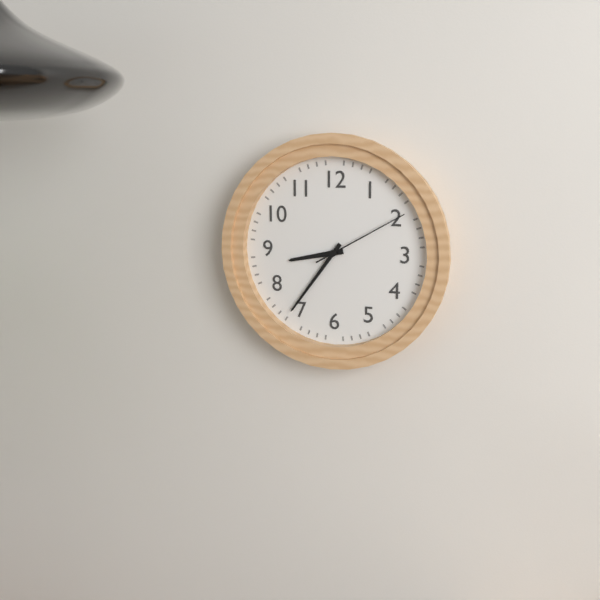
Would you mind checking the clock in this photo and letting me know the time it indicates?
8:36:10
